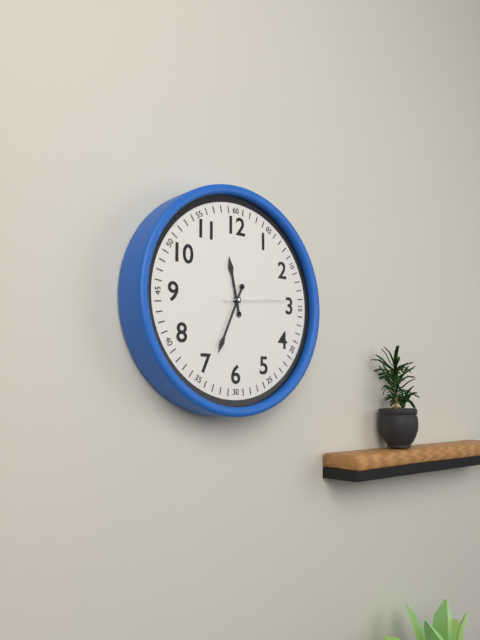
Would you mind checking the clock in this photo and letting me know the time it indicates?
11:34:14
